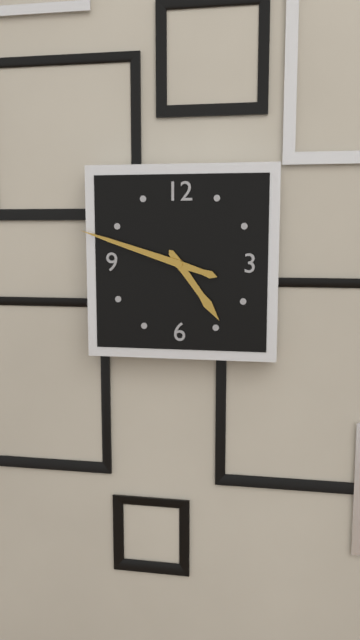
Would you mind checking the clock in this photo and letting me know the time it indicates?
4:48
